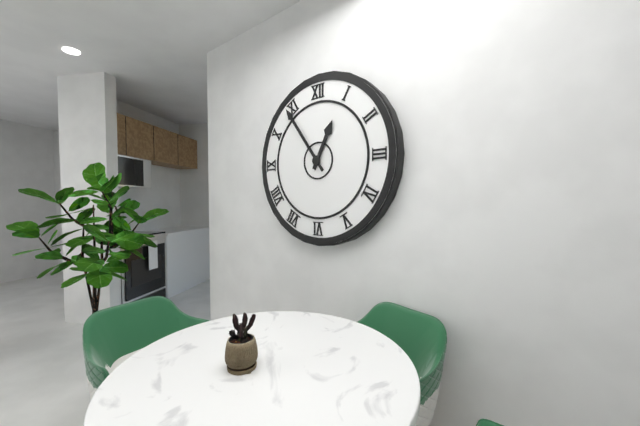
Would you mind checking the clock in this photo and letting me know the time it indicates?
12:54
